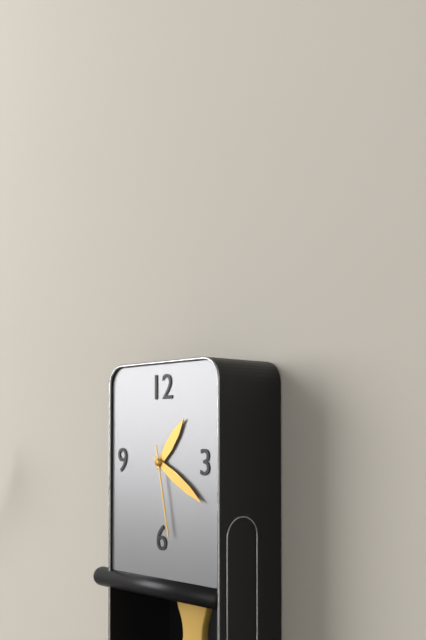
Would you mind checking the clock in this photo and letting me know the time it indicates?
1:20:28
